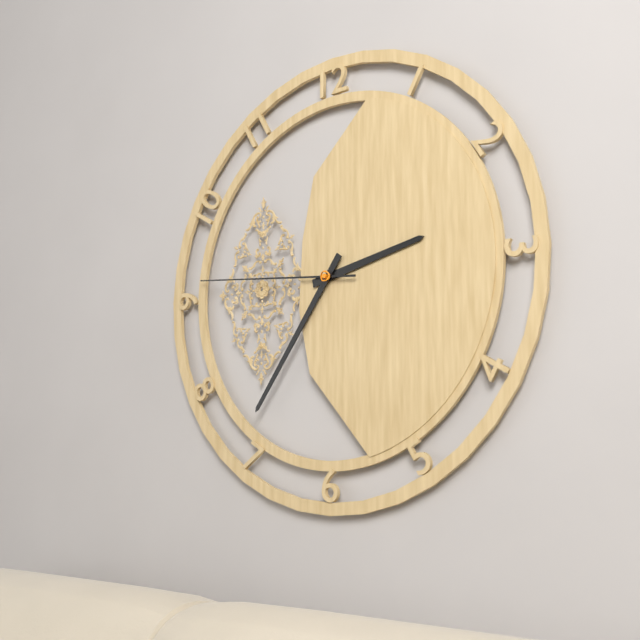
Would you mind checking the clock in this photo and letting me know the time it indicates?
2:36:46
